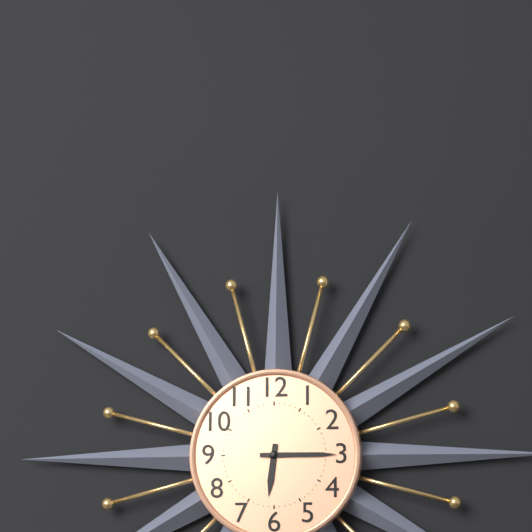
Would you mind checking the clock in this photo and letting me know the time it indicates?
6:15
